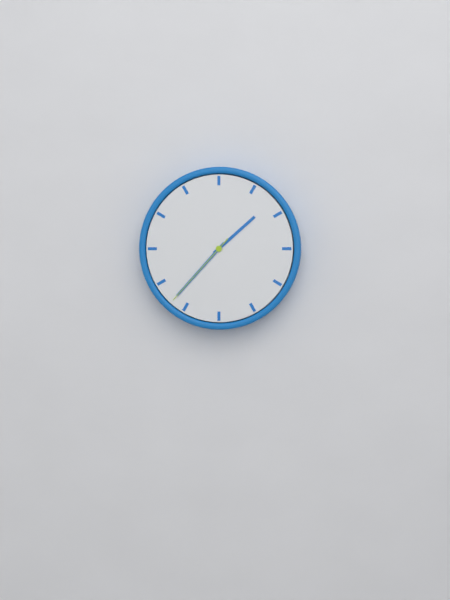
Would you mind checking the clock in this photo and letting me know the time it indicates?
1:37:37
